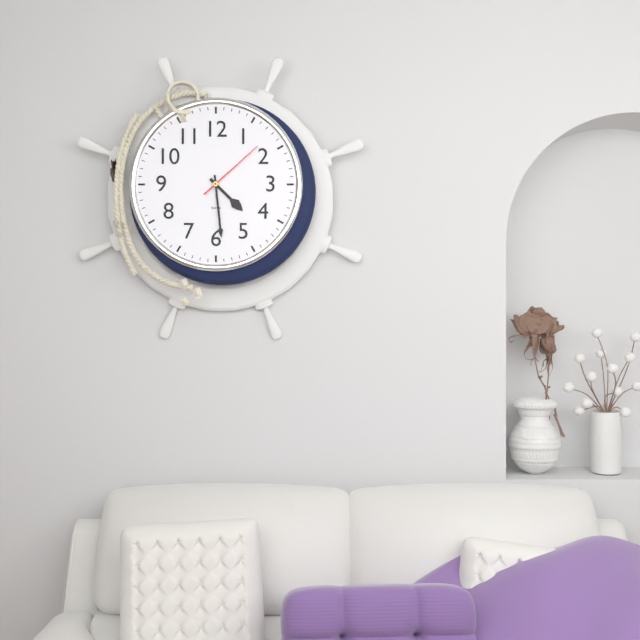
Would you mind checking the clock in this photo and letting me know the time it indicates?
4:29:08
